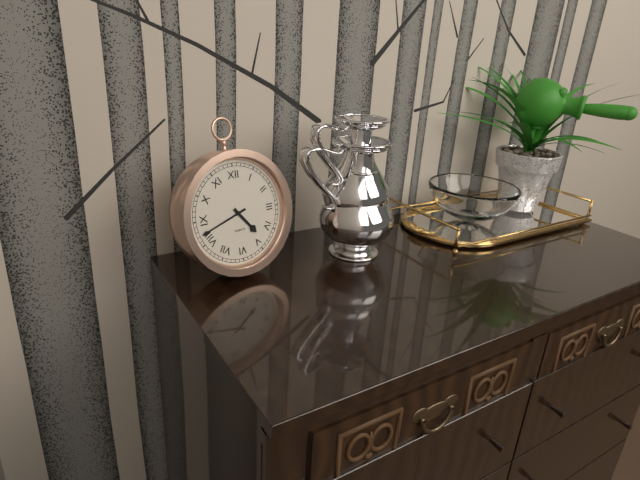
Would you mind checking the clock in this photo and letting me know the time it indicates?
4:42
